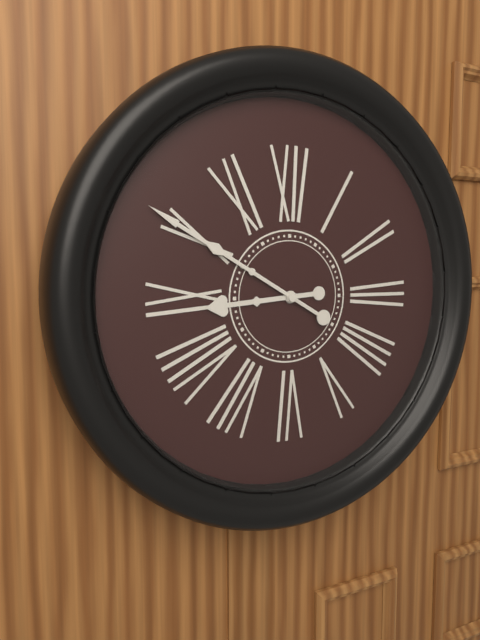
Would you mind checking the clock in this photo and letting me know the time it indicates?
8:50
